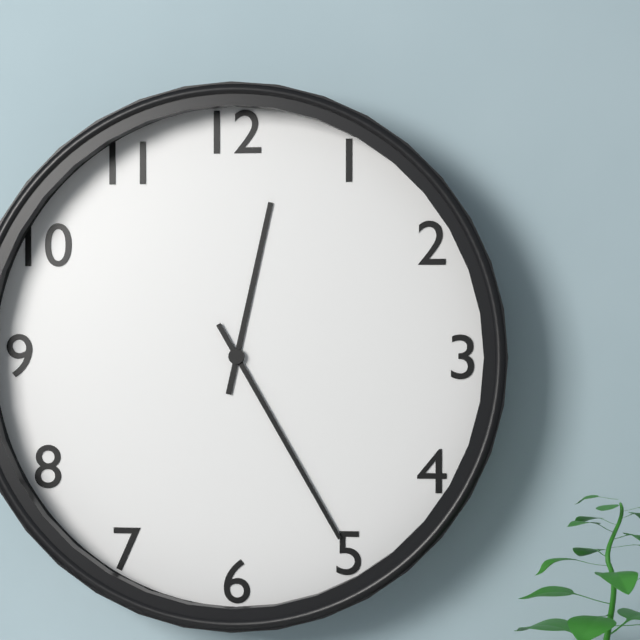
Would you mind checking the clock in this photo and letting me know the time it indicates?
12:25
